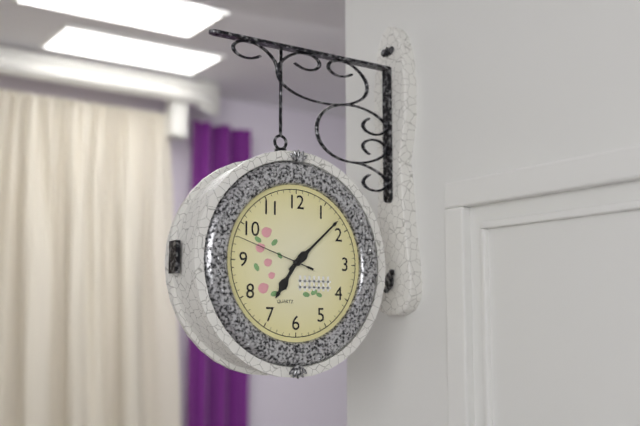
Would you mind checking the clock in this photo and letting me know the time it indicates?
7:08:48
